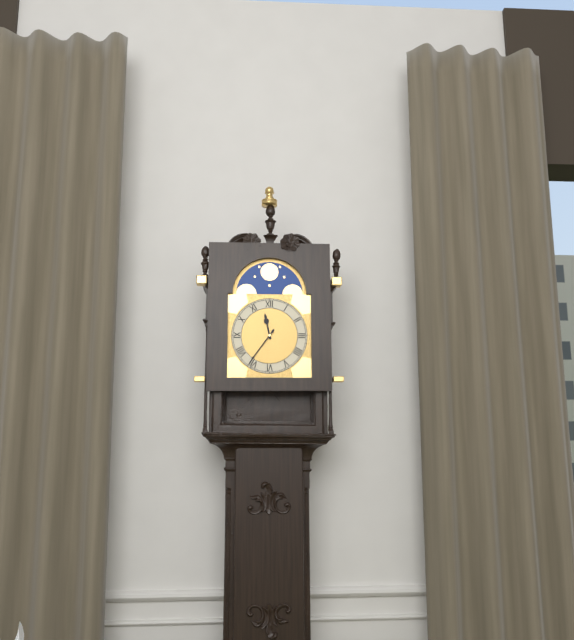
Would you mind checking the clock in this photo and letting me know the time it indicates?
11:36
